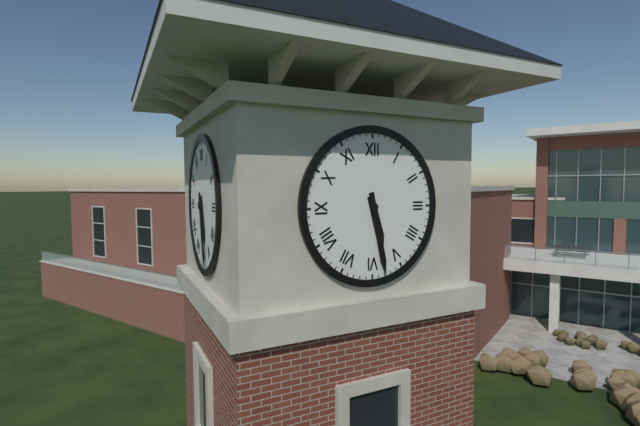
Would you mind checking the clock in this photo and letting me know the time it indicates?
5:28
